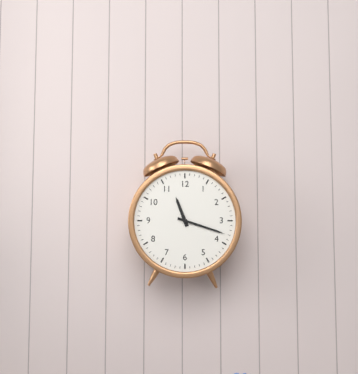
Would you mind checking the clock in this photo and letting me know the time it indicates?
11:18
